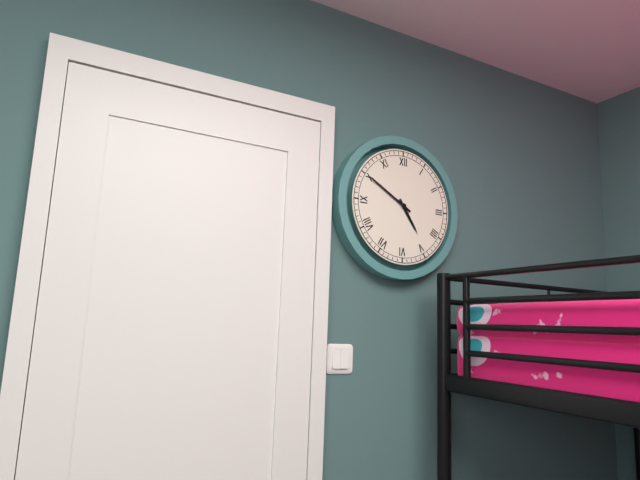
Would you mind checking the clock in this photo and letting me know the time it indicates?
4:50
